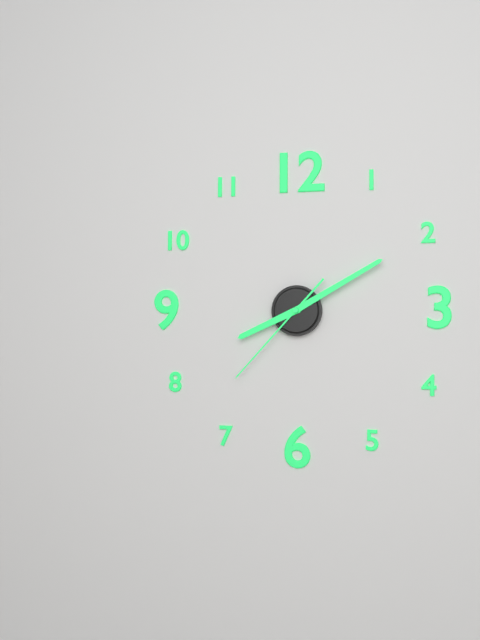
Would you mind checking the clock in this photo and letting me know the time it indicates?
8:10:37
